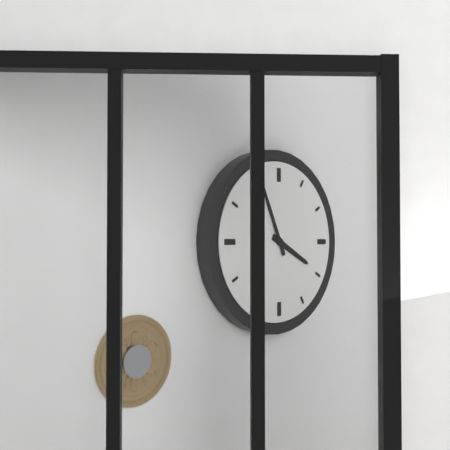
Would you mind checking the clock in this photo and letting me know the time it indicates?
3:56
